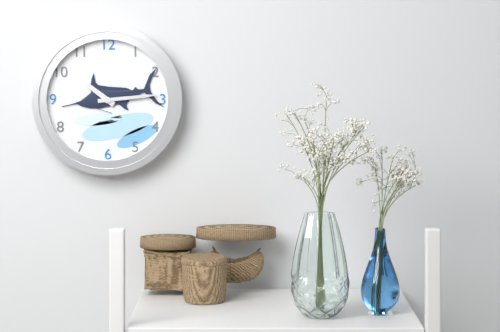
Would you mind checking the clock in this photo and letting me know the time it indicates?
10:14
